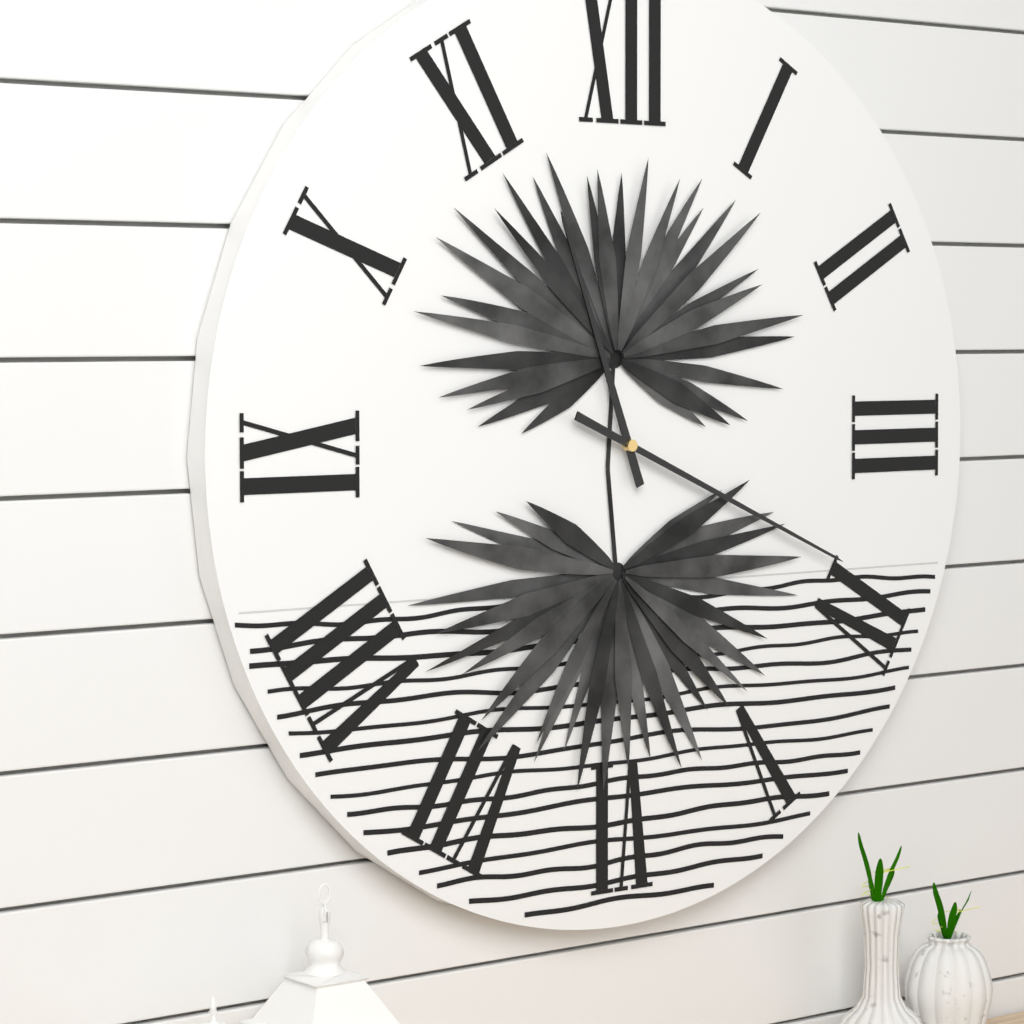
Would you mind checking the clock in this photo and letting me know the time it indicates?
11:19
